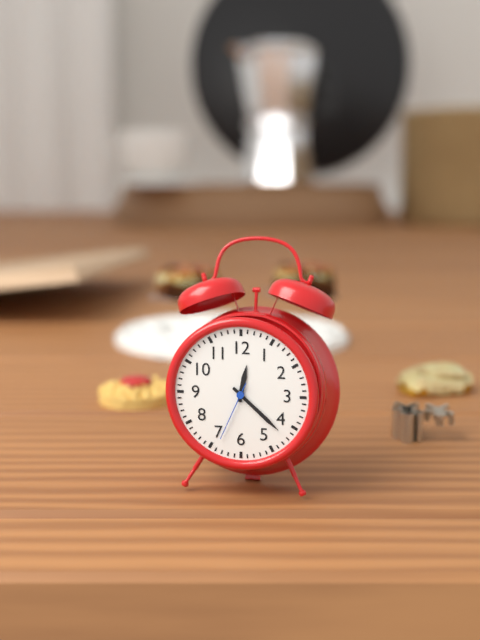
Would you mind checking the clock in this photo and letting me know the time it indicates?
12:22:34
